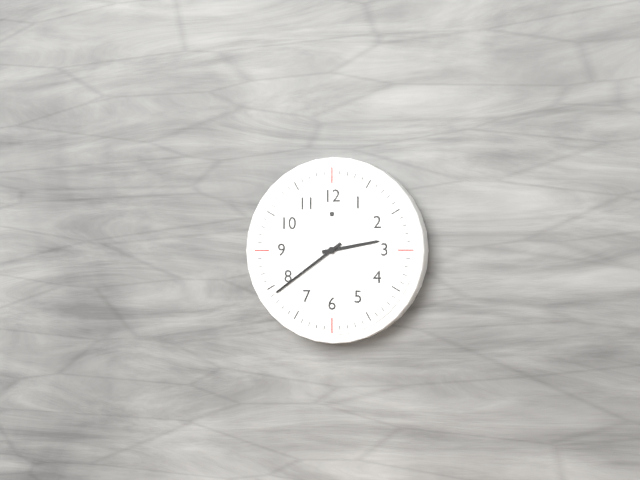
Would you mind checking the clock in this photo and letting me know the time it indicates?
2:39
